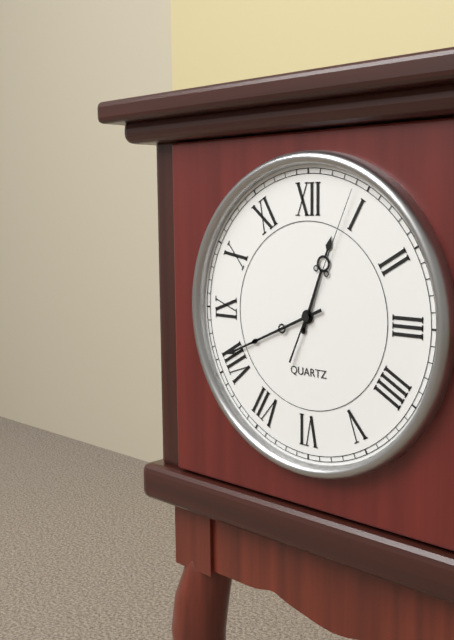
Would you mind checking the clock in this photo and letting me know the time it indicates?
12:41:04
